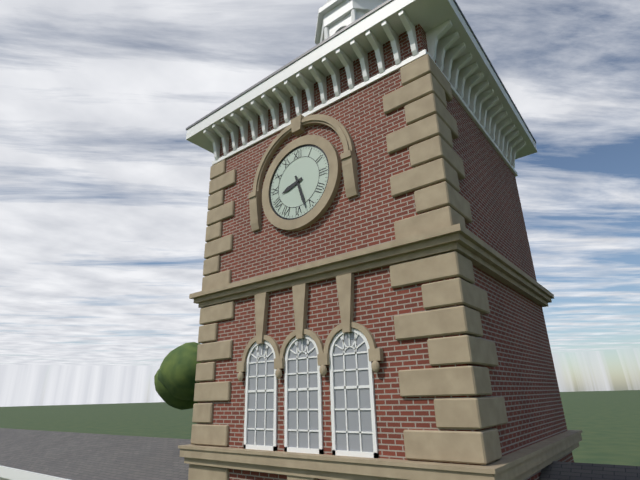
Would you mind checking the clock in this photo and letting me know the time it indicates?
8:27
